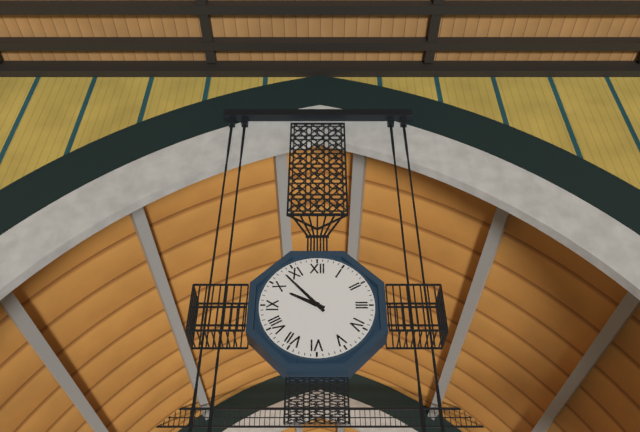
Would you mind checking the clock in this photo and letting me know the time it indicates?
9:53
